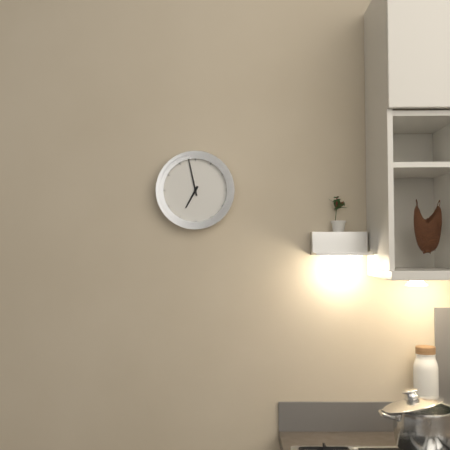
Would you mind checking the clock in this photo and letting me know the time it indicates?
6:58
